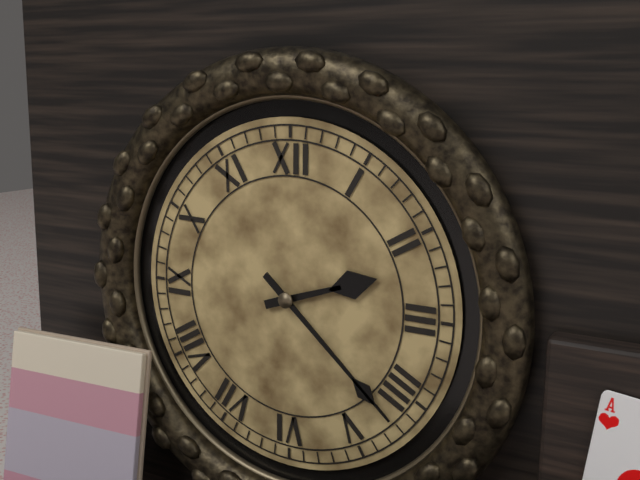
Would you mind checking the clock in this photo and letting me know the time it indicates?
2:22
